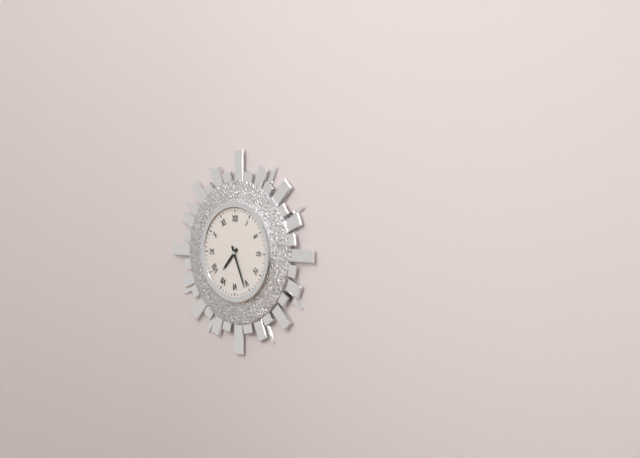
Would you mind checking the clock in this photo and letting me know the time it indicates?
7:26
